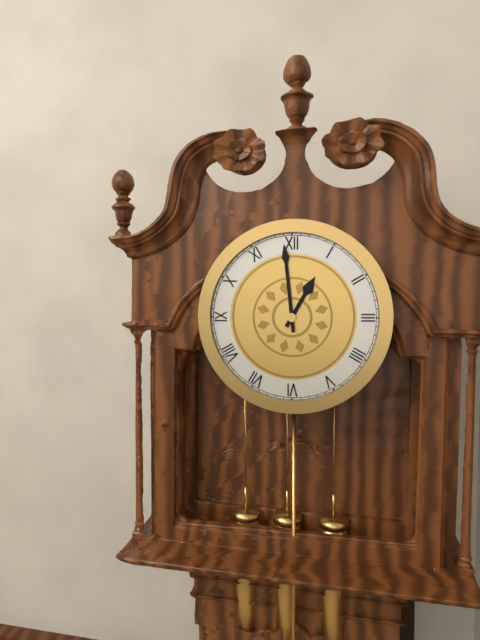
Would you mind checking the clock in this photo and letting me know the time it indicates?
12:59
